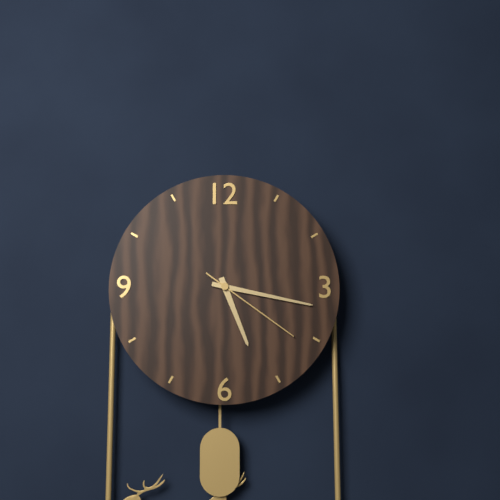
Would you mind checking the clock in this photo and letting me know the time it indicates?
5:17:21
